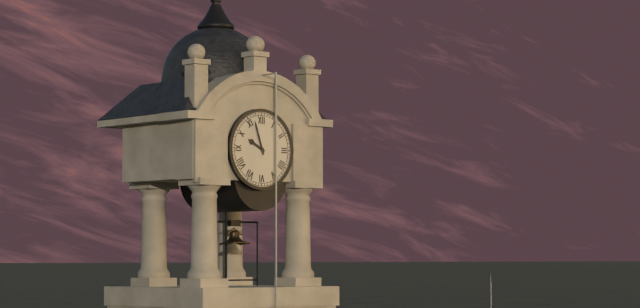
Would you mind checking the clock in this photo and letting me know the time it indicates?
9:57
